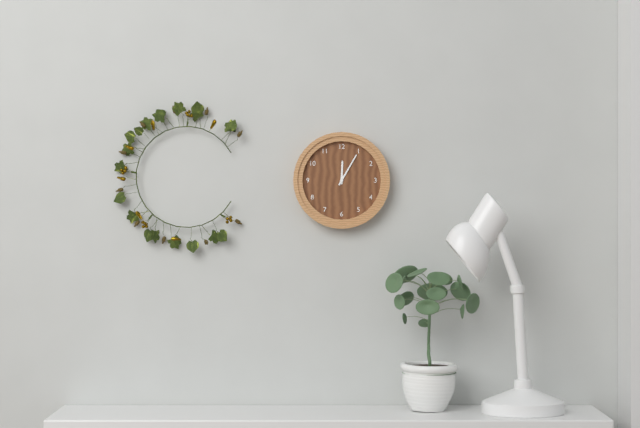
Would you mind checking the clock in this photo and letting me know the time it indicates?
12:05
